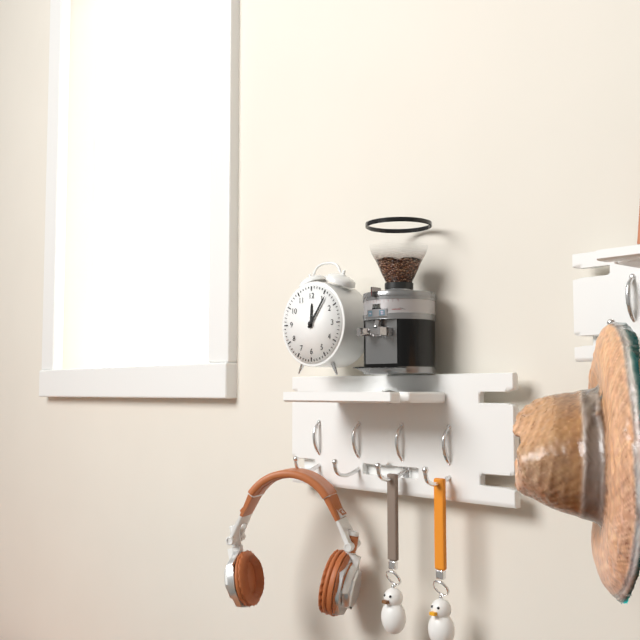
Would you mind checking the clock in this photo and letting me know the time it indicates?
12:06
